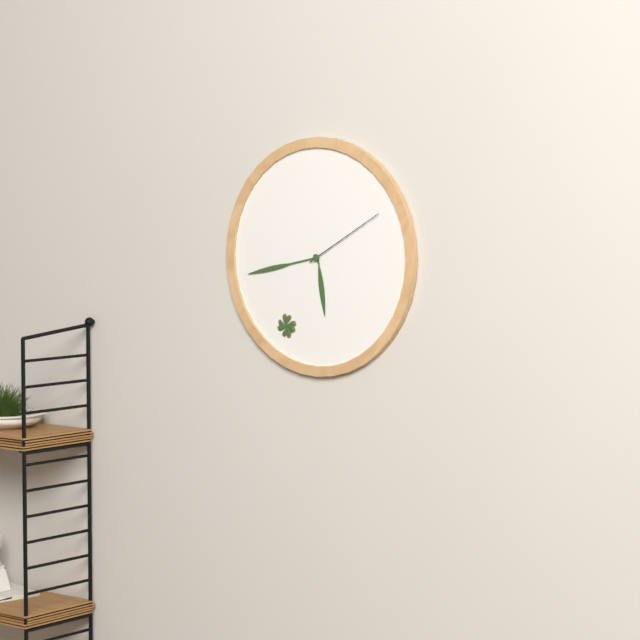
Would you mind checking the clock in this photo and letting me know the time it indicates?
5:43:10
